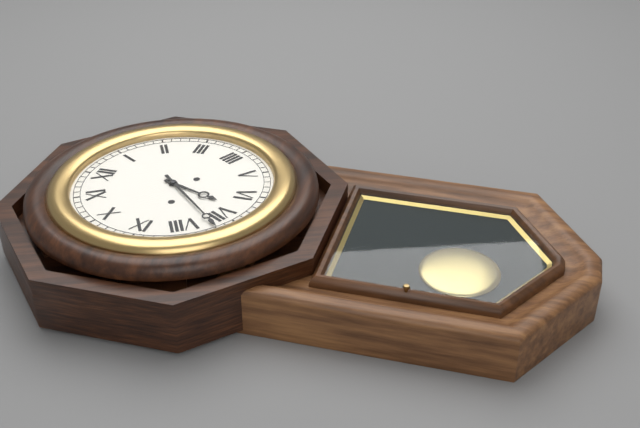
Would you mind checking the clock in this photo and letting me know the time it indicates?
6:37
